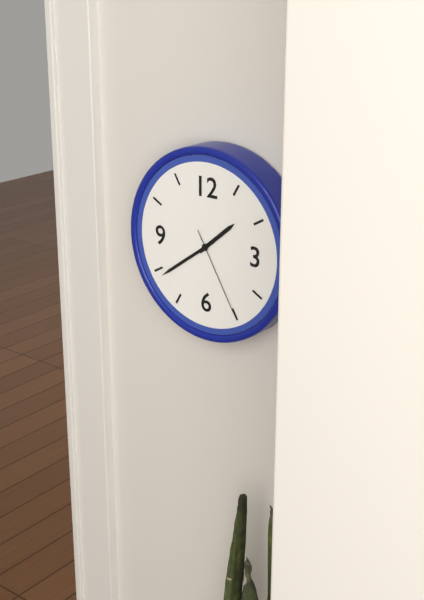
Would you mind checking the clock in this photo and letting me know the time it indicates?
1:39:25
